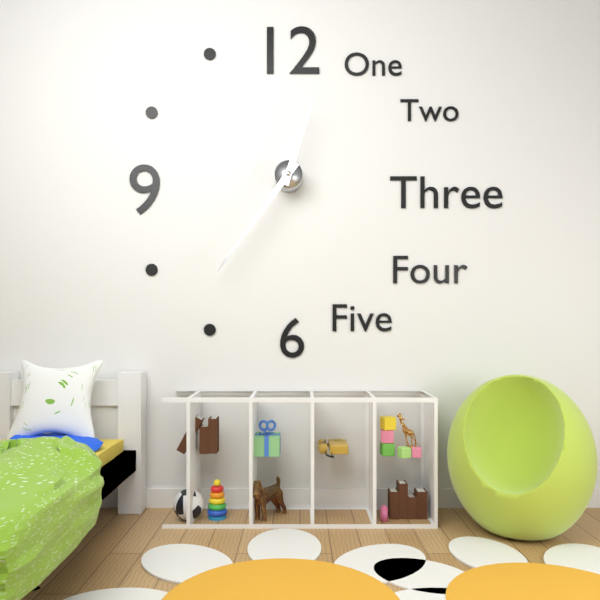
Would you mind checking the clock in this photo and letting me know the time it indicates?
12:36
